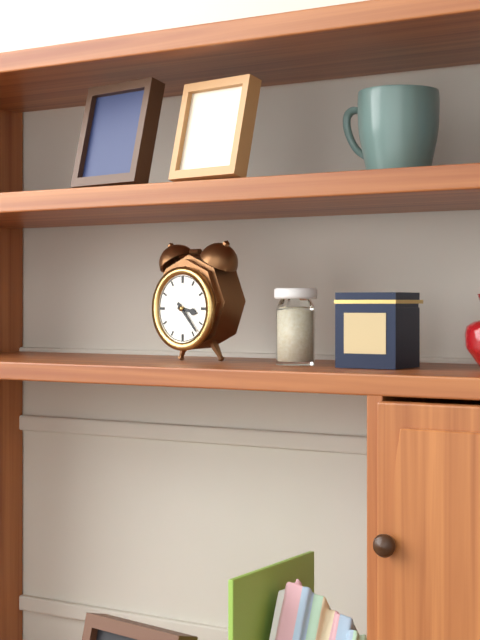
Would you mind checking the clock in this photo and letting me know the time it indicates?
3:23
